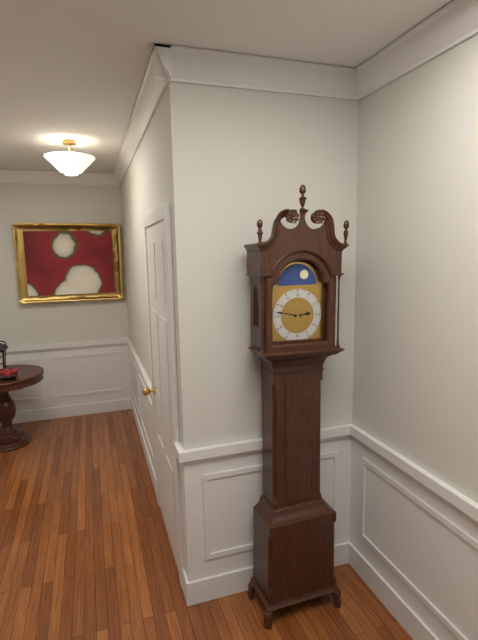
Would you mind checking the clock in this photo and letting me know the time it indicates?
2:47
